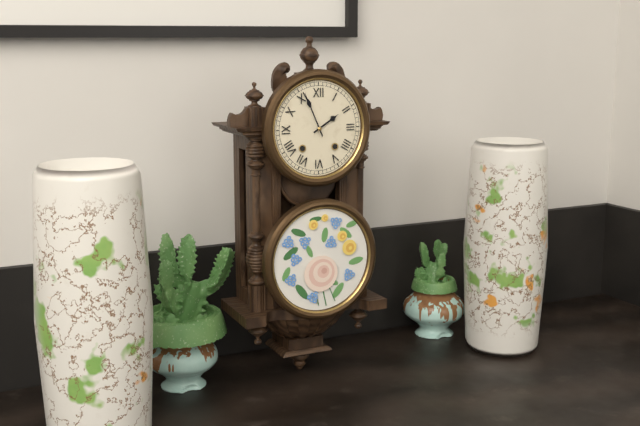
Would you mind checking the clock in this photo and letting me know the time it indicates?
1:56
